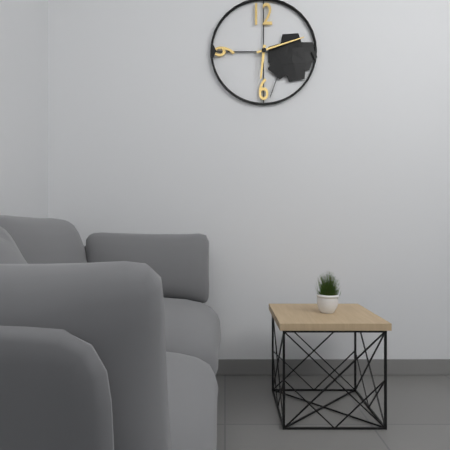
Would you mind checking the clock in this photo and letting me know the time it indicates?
6:12
